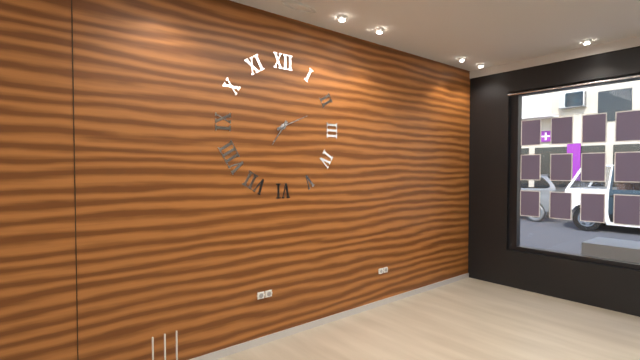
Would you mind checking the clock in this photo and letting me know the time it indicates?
7:11
